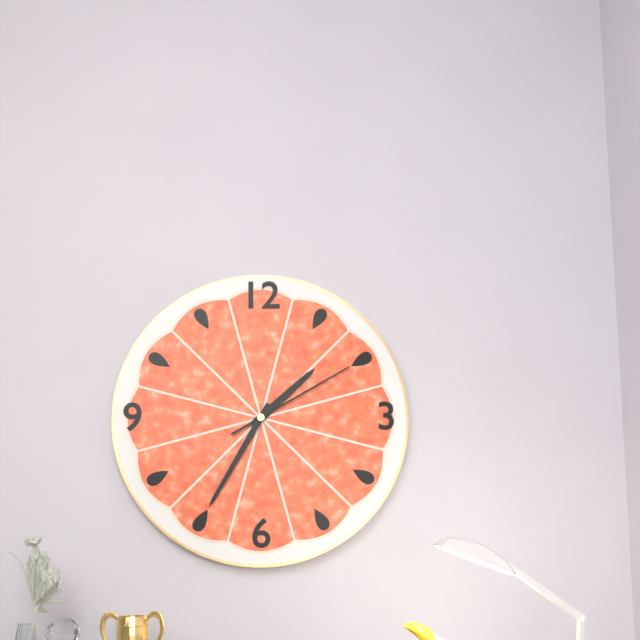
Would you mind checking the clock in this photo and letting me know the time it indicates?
1:35:10
